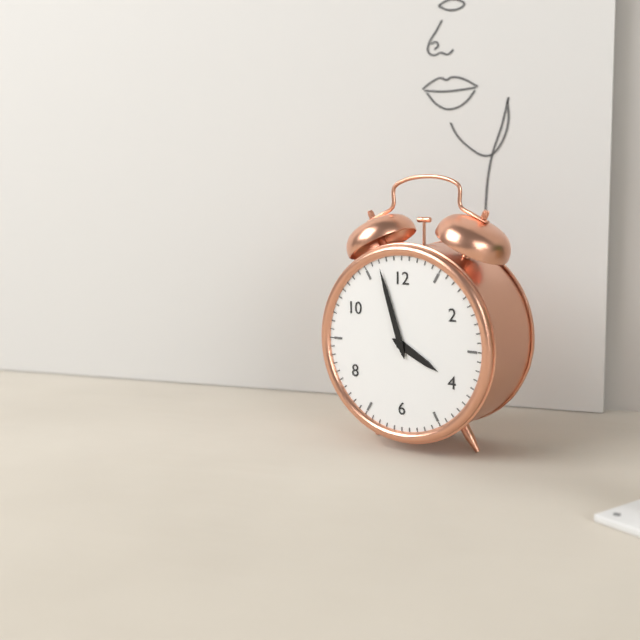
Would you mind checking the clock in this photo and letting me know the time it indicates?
3:57
